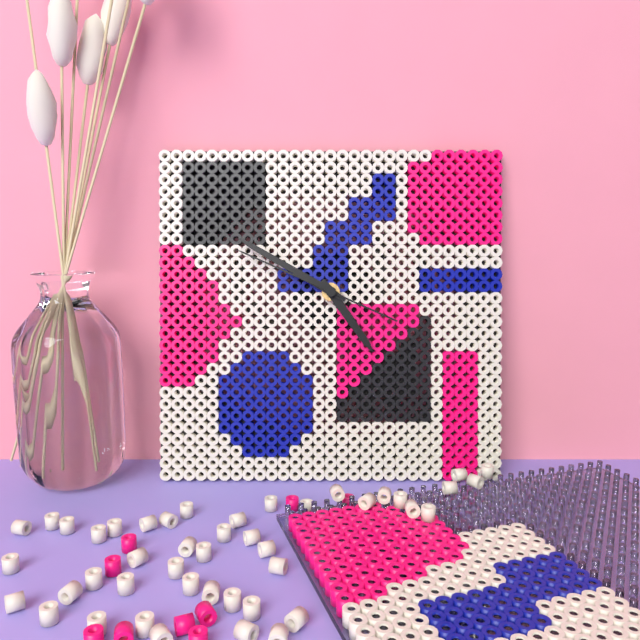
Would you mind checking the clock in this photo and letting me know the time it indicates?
4:50:49
